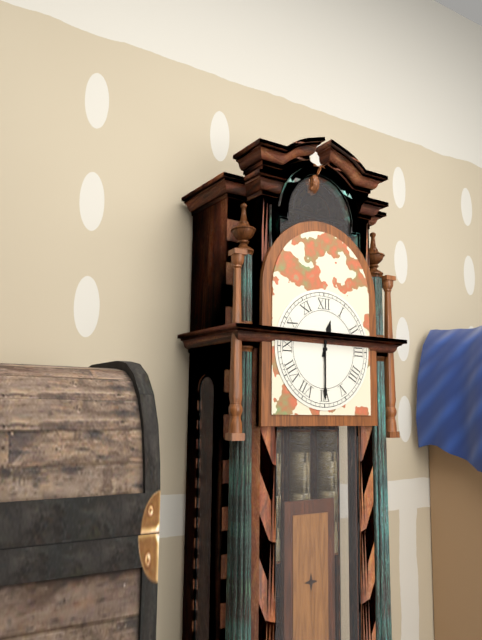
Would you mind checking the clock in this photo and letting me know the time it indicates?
12:30
